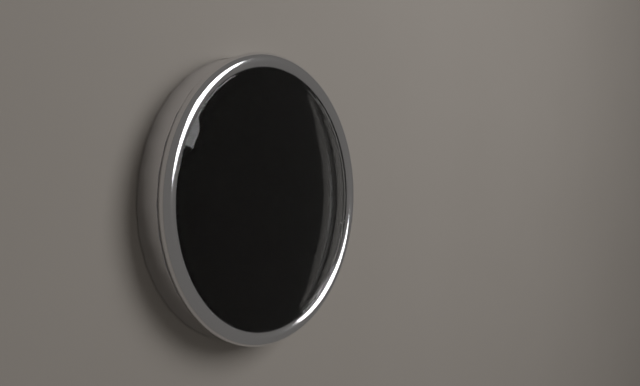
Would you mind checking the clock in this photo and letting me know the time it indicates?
3:19
